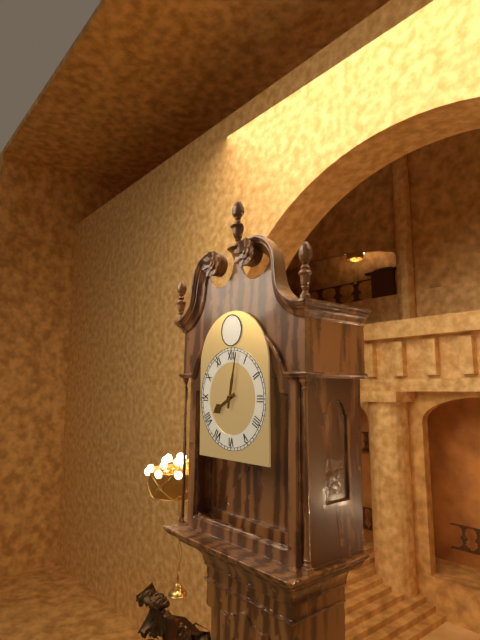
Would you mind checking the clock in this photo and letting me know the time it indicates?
8:02
